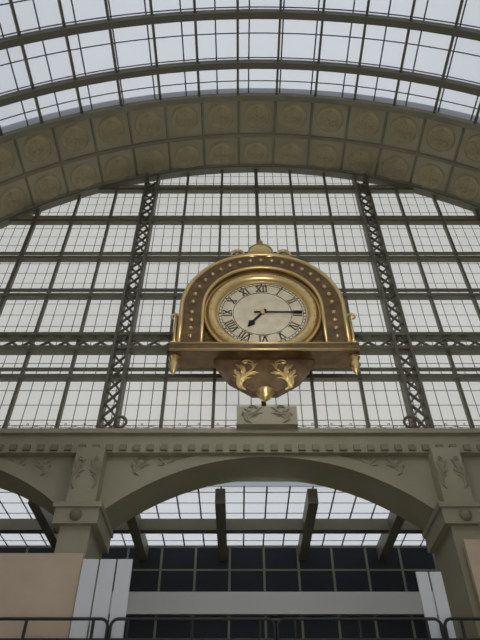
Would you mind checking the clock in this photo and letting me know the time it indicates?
7:15
